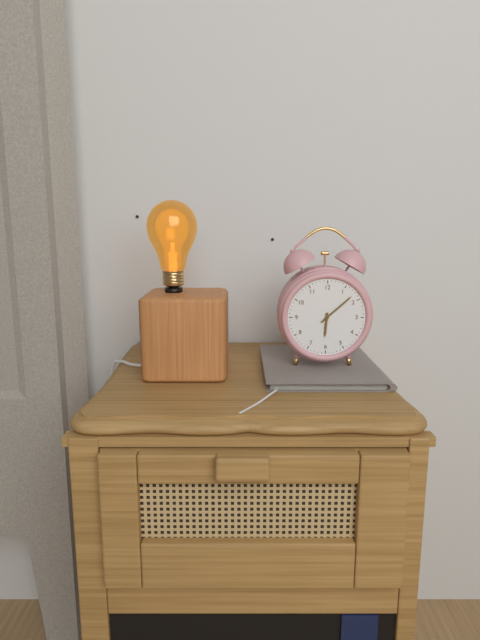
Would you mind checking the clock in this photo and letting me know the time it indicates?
6:08
